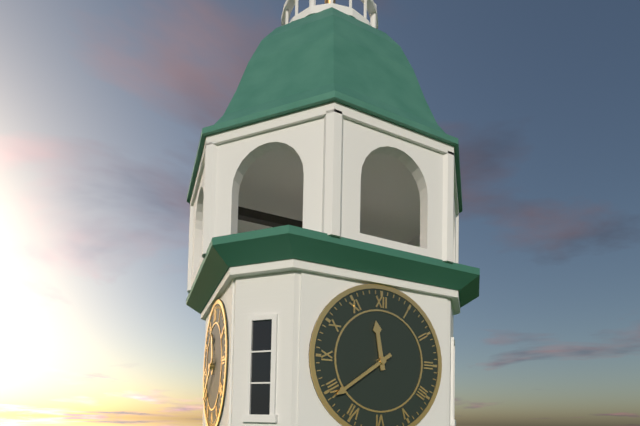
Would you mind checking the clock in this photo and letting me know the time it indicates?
11:39
